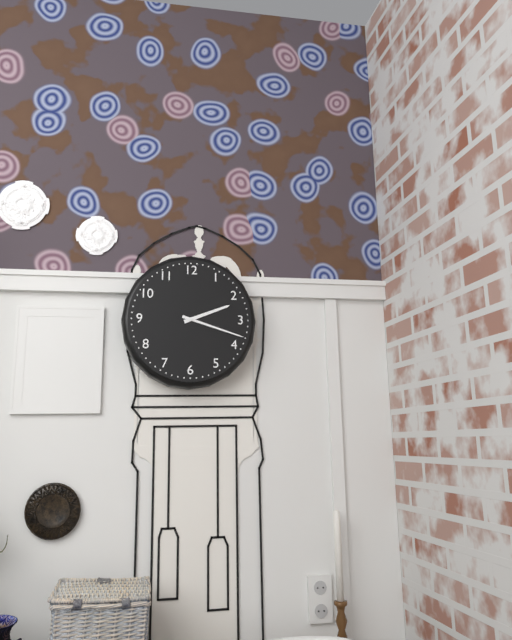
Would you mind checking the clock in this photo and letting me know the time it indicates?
2:18
